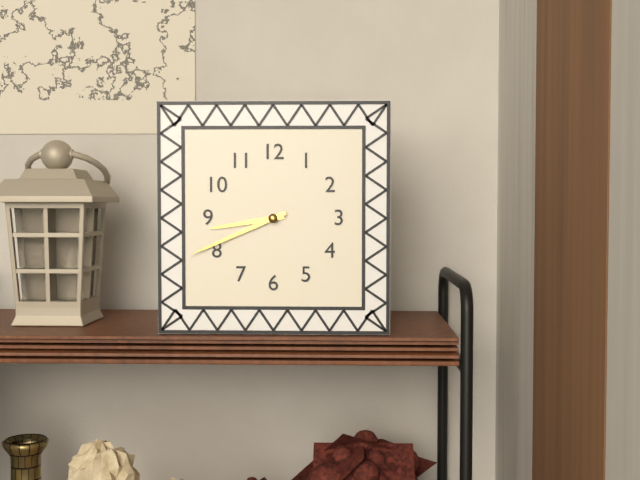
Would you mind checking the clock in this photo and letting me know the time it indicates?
8:41
